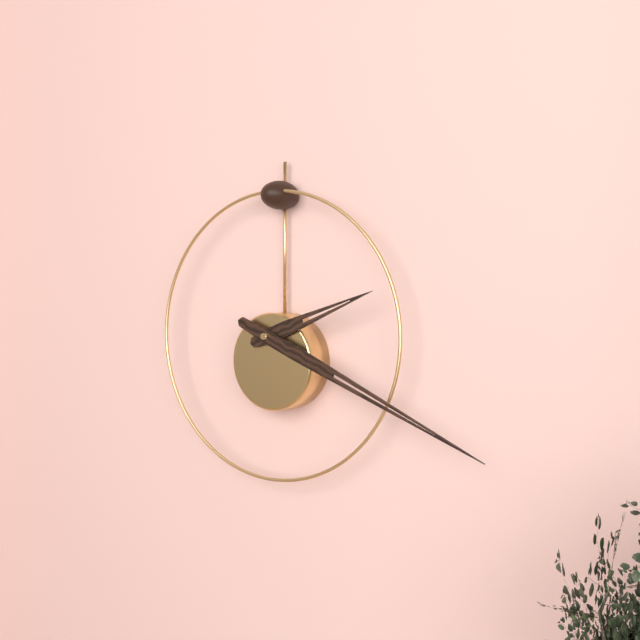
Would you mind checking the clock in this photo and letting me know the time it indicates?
2:19
